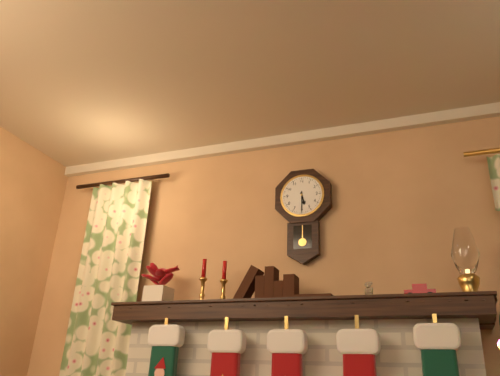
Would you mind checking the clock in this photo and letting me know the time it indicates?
5:30
